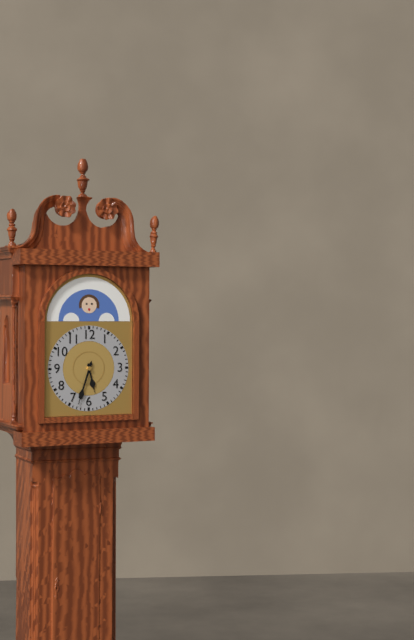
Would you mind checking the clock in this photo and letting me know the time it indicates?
5:33
